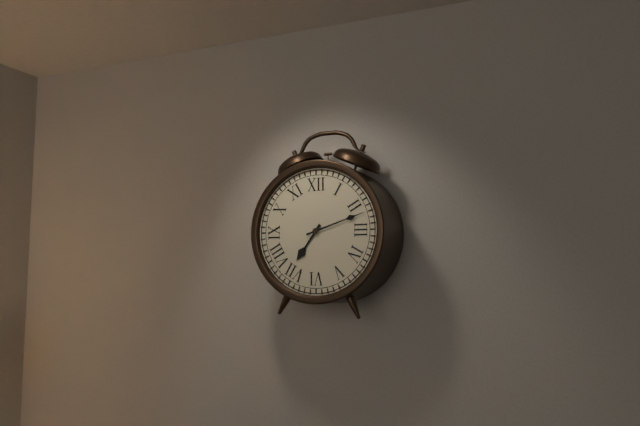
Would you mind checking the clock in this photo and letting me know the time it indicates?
7:12
